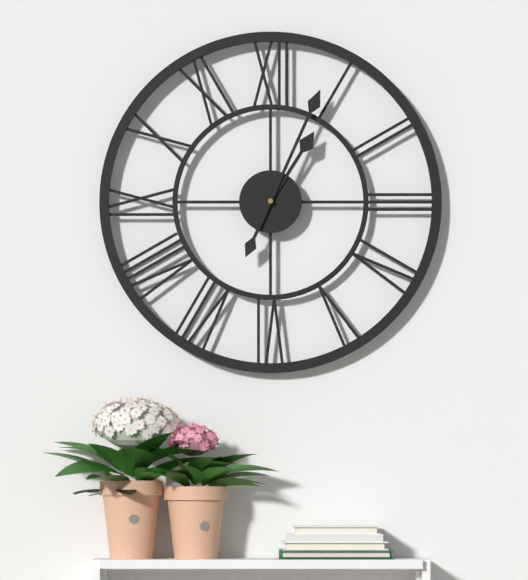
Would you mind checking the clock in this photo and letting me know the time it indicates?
1:04
